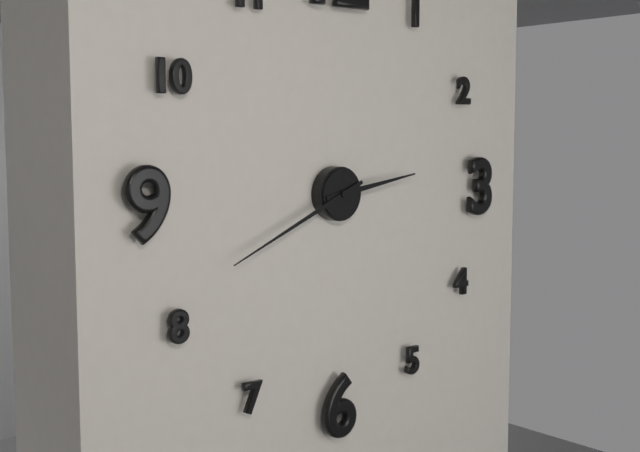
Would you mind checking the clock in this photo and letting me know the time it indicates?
2:41
